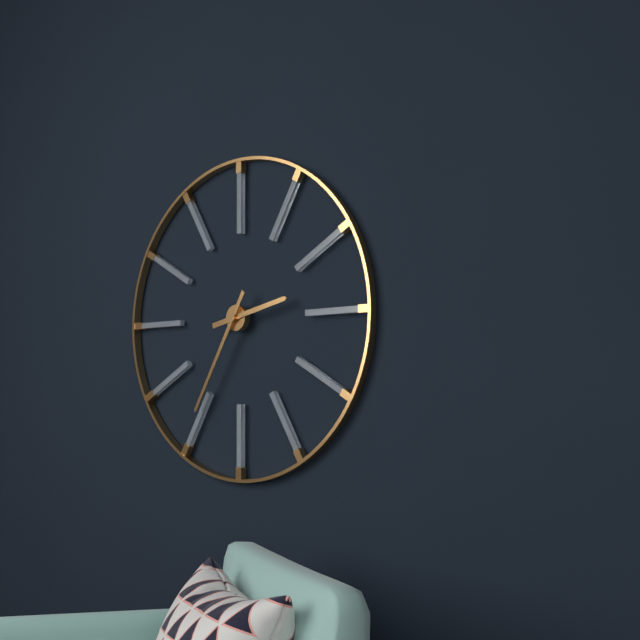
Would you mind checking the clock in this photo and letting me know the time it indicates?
2:35
